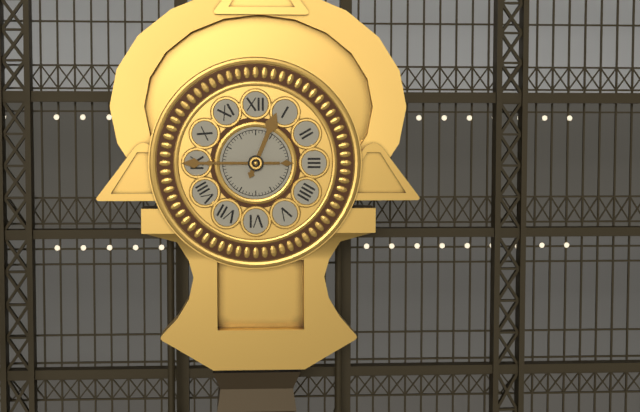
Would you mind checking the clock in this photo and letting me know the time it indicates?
12:45
